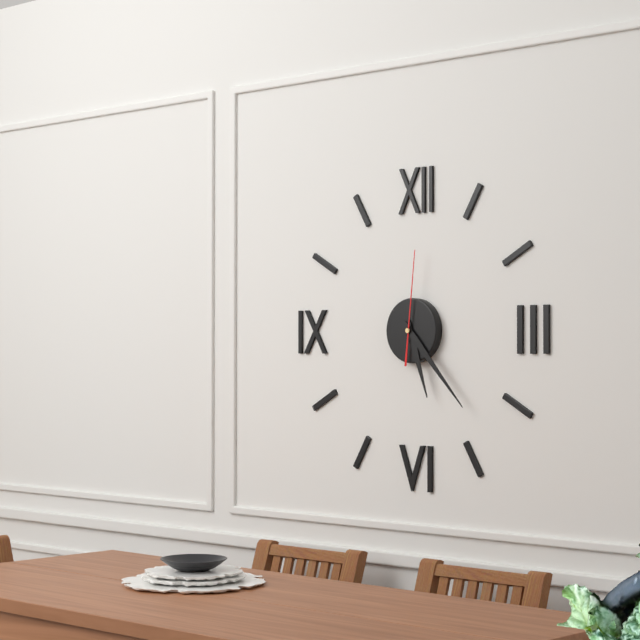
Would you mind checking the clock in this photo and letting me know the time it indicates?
5:23:01
